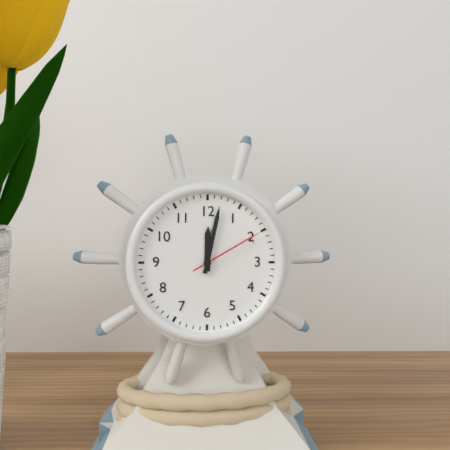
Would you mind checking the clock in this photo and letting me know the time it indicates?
12:02:10
